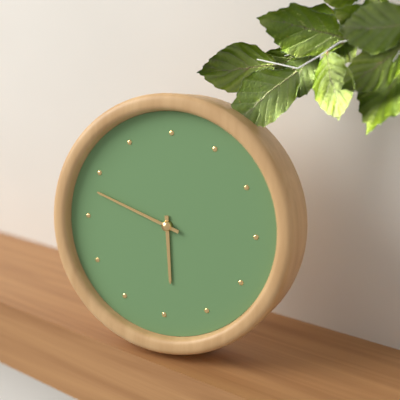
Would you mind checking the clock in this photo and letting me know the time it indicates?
5:48
